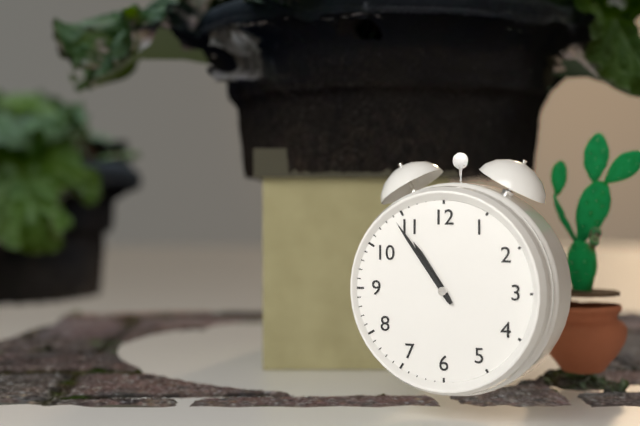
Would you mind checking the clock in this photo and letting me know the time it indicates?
10:54
